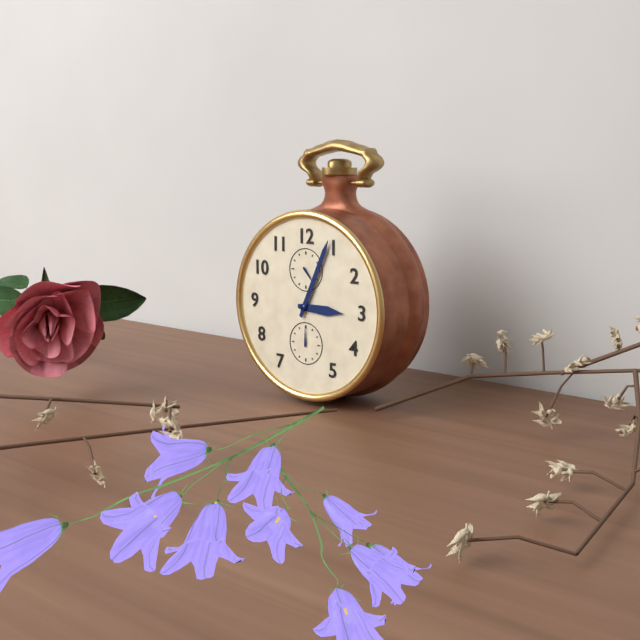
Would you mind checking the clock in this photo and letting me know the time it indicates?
3:04
